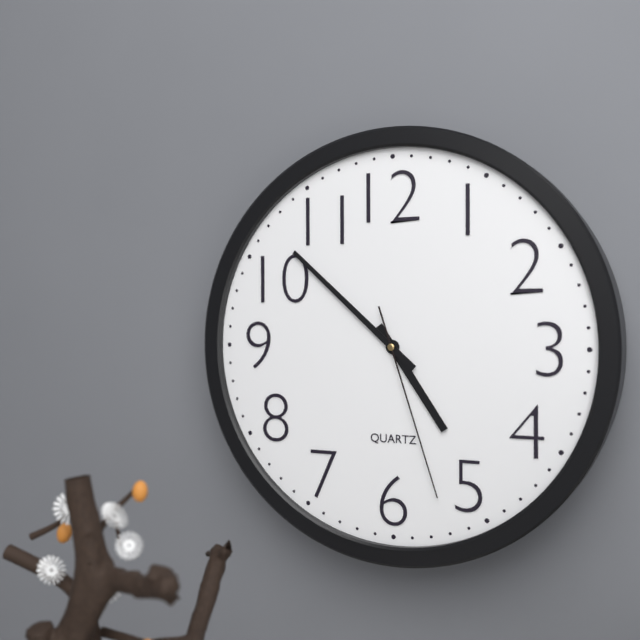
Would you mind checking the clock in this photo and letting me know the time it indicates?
4:52:27
